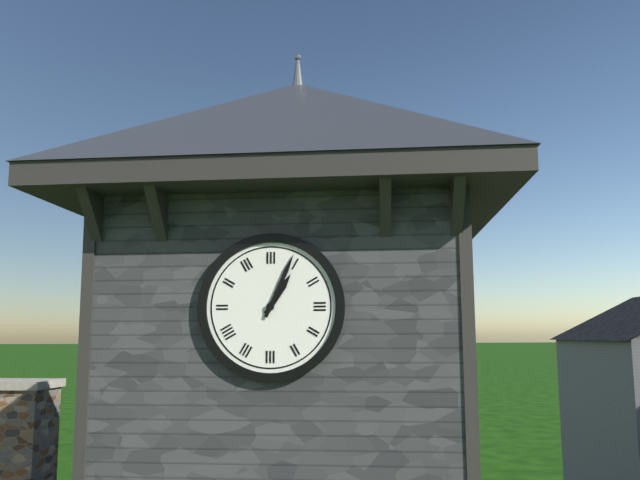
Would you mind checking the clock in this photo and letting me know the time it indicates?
1:04
